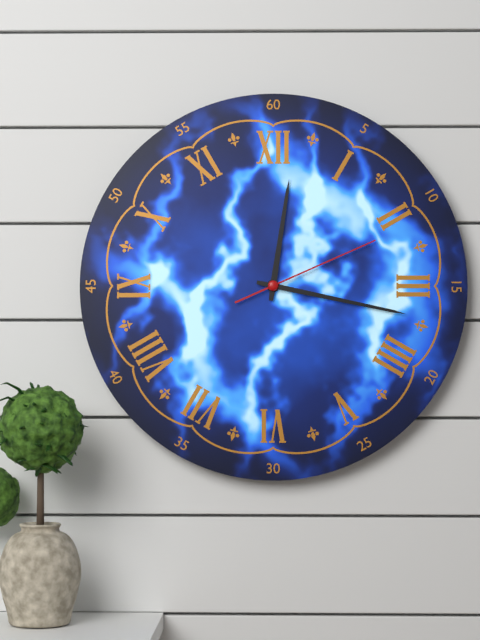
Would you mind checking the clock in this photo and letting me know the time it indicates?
12:17:11
